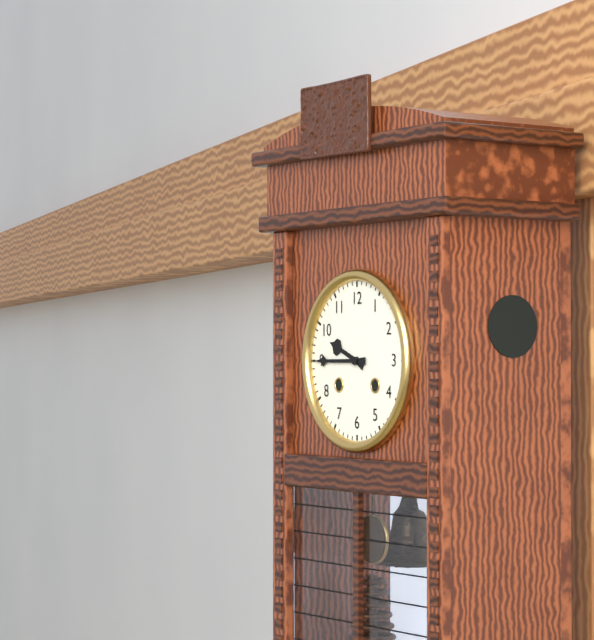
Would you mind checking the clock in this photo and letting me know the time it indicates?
9:45
